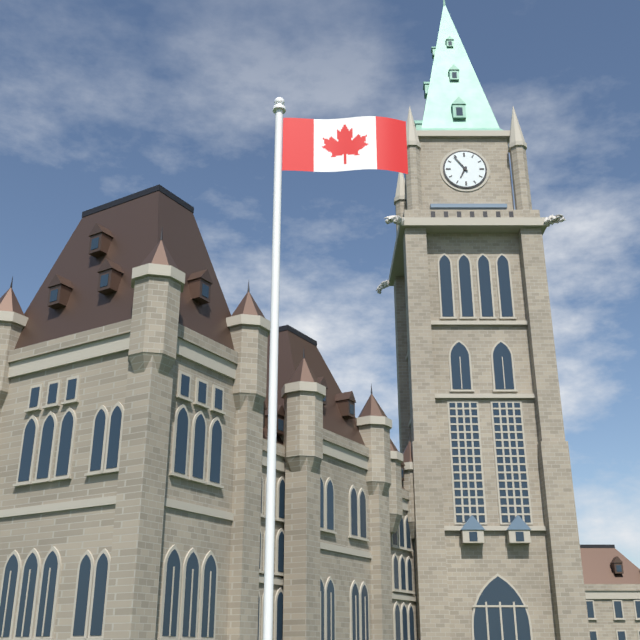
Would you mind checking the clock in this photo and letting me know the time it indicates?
6:54
